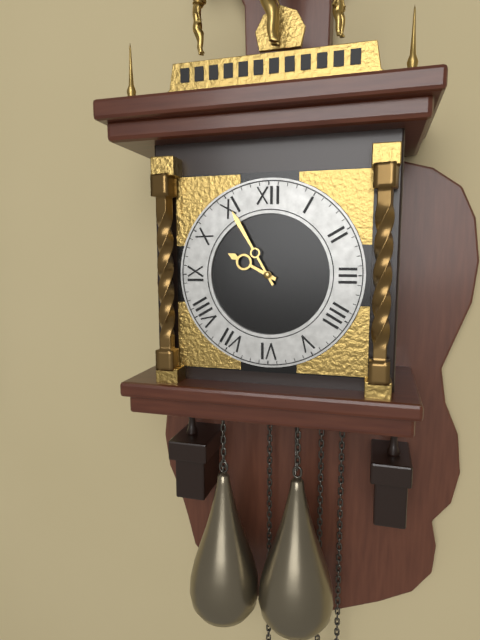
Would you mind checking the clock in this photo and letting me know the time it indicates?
9:55
